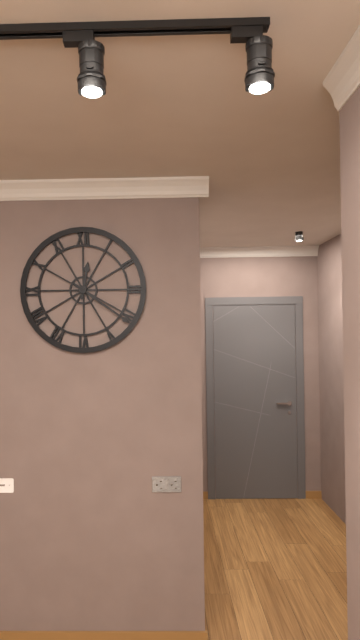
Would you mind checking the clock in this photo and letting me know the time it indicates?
12:21
